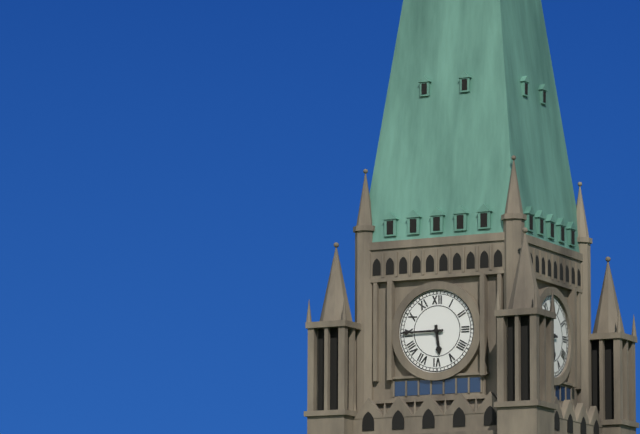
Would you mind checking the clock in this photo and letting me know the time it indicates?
5:45
